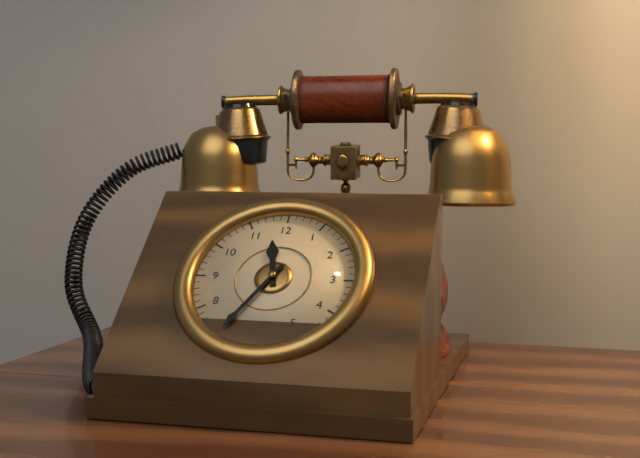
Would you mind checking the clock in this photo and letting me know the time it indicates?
11:35
